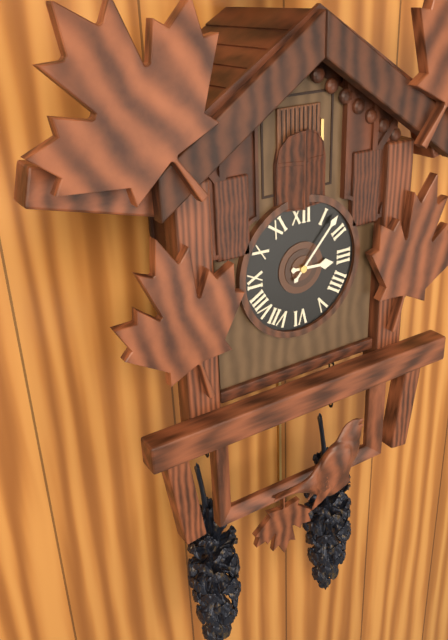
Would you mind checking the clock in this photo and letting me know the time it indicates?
3:07
